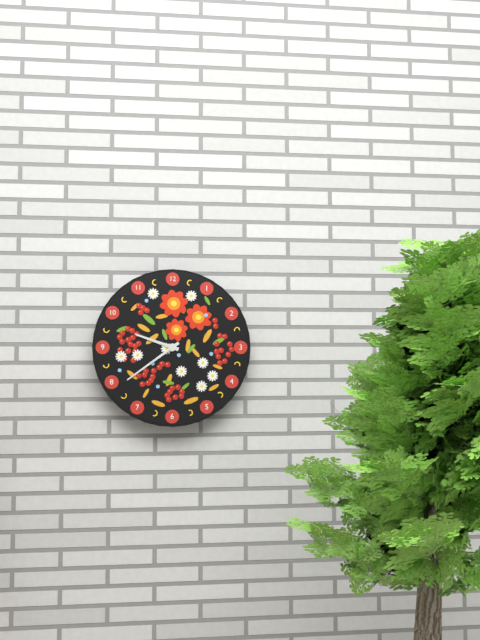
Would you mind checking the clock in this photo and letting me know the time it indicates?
9:39
